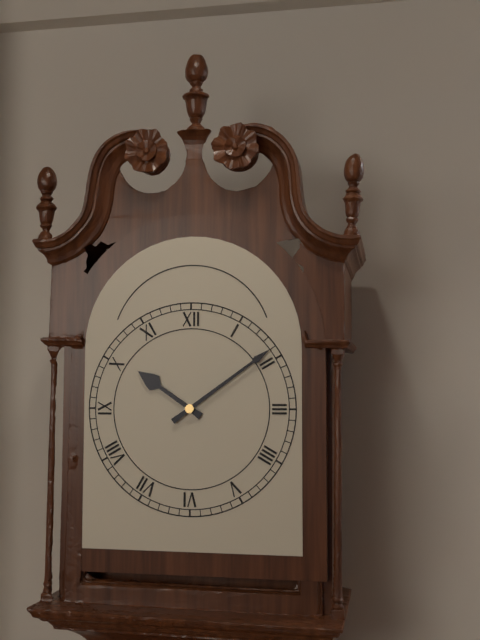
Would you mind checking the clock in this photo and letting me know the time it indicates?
10:09
